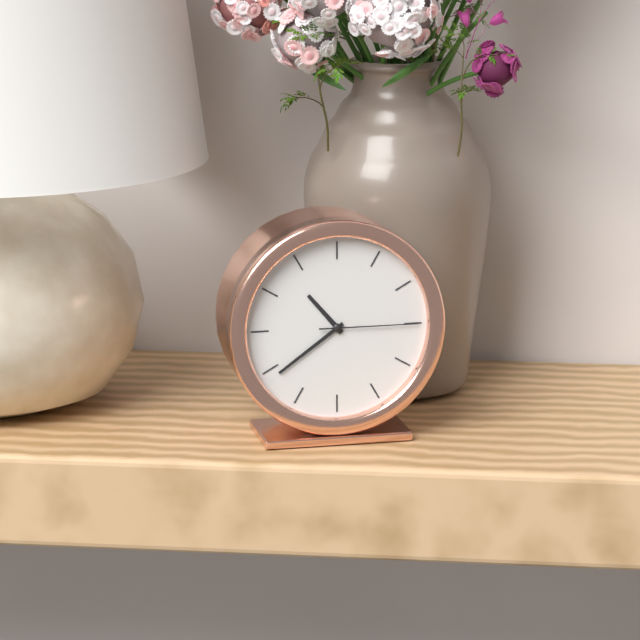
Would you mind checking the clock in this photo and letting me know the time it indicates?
10:39:15
